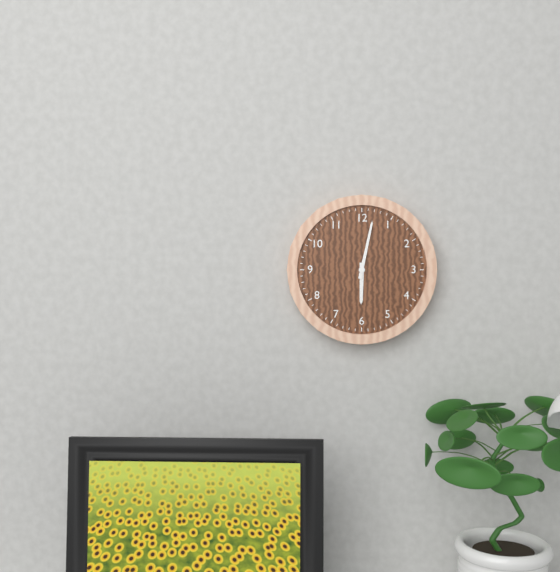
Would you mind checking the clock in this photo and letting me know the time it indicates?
6:02
